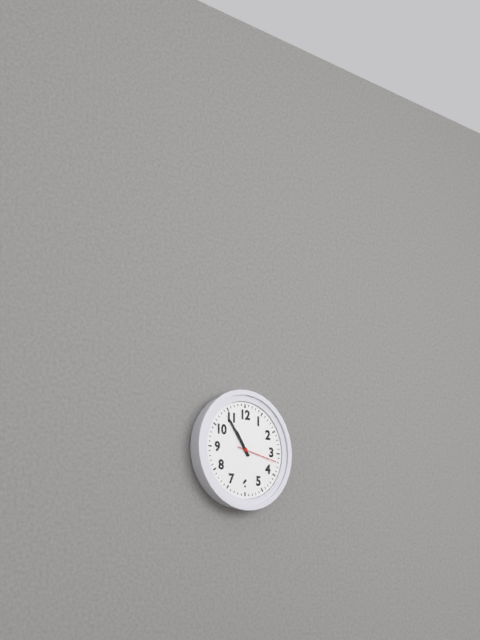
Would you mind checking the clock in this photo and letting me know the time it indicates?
10:54
